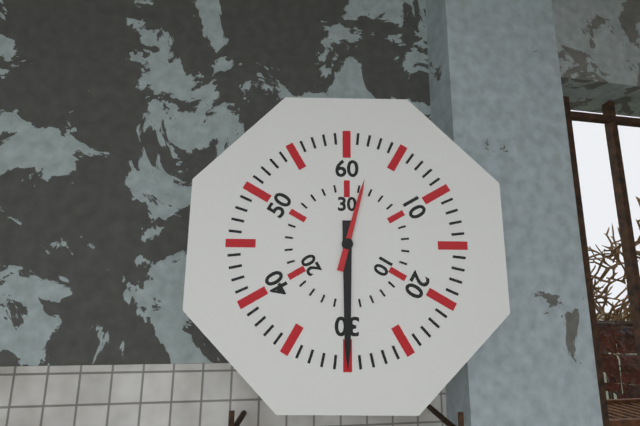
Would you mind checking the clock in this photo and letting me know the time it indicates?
12:30
